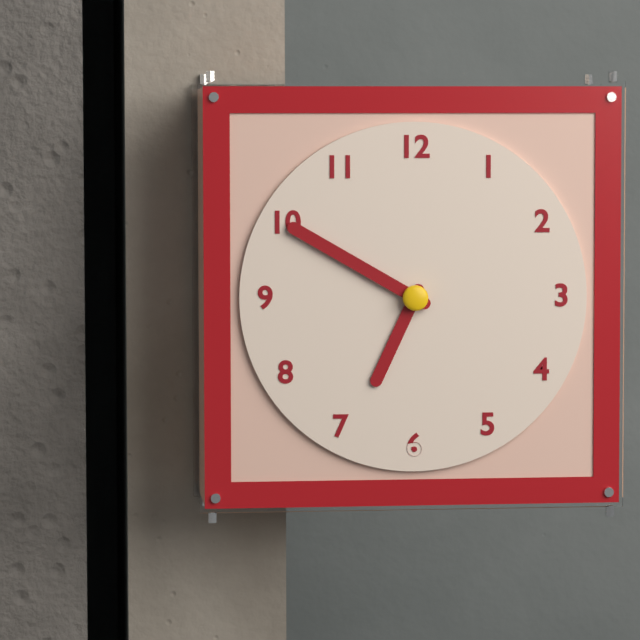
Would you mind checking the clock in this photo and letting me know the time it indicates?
6:50
